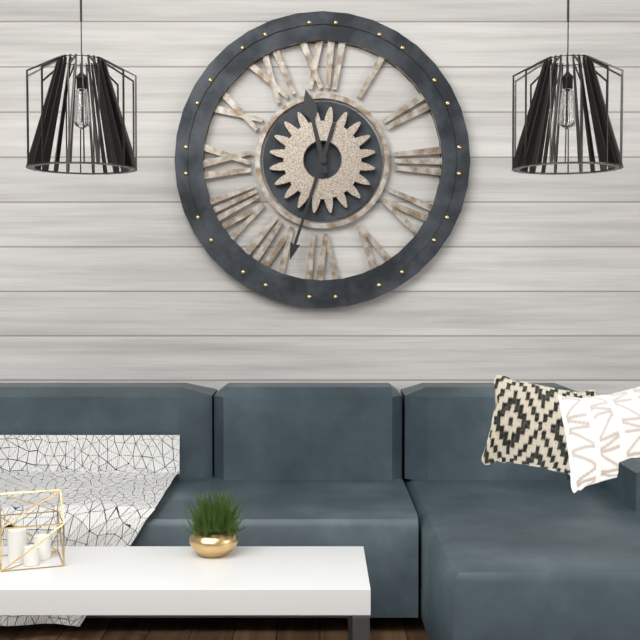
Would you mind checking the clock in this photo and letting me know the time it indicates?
11:33
